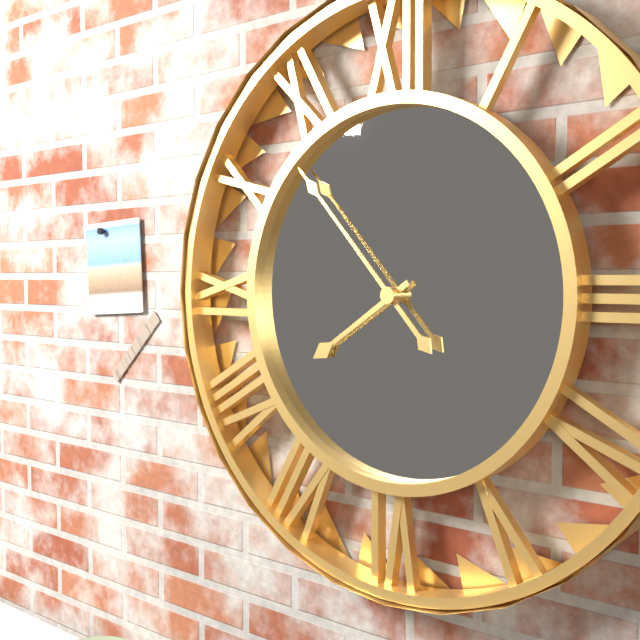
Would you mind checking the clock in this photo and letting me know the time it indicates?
7:53
